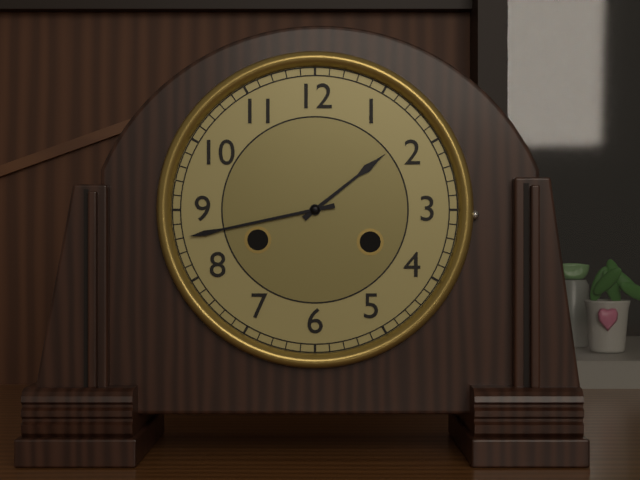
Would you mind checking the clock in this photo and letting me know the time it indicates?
1:43
